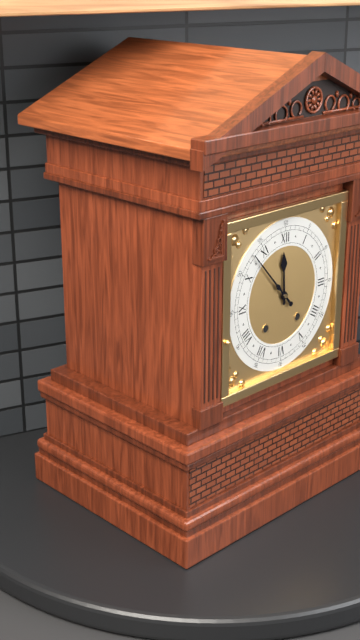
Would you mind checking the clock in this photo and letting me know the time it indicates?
11:53
